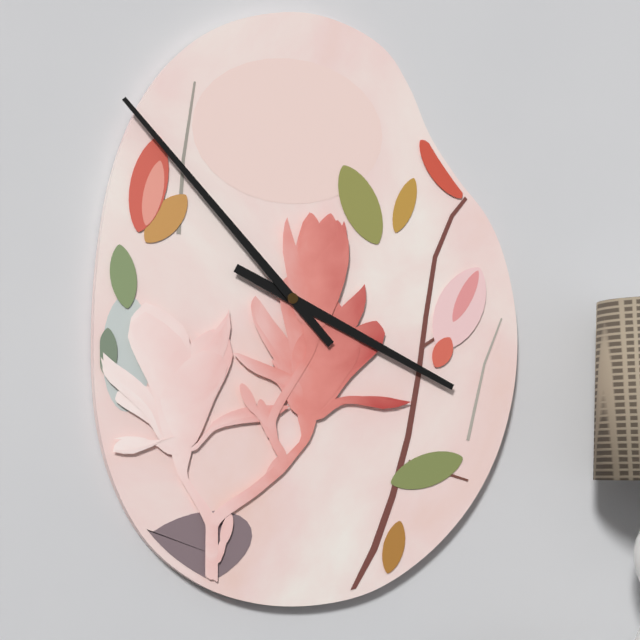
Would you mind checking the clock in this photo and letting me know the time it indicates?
3:53
